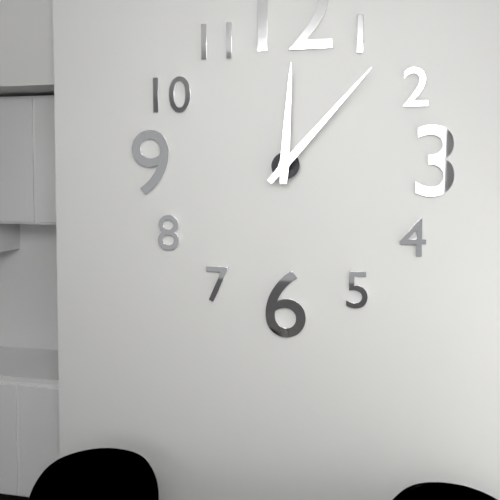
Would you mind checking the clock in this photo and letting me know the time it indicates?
12:07
